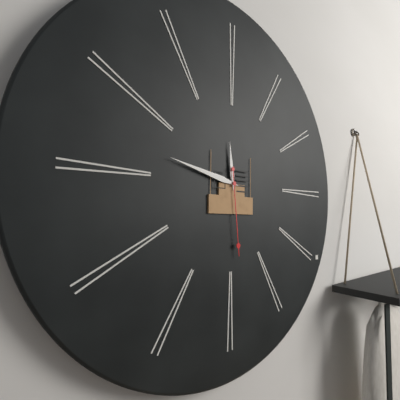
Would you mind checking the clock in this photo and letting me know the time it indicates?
11:47:29
